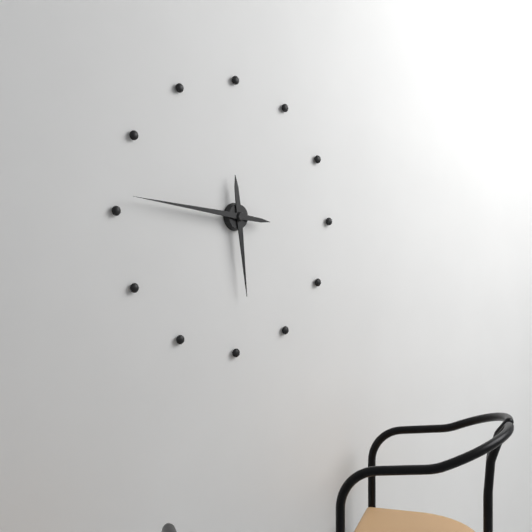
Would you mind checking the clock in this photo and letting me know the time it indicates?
5:46
